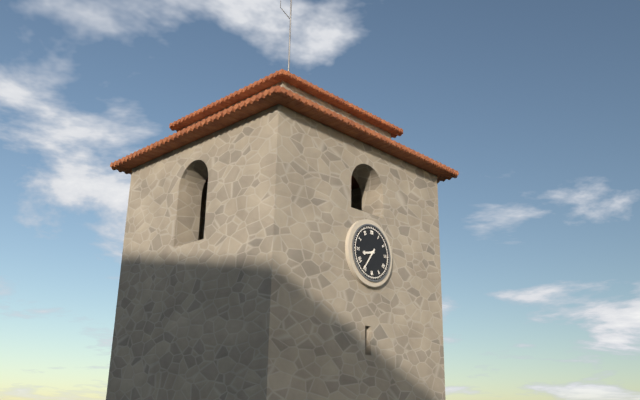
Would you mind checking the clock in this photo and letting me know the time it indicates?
8:36
